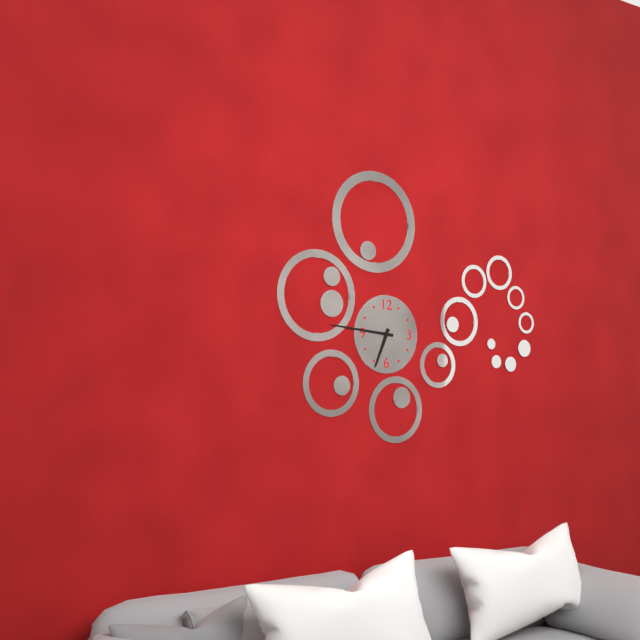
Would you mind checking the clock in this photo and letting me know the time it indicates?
6:46
